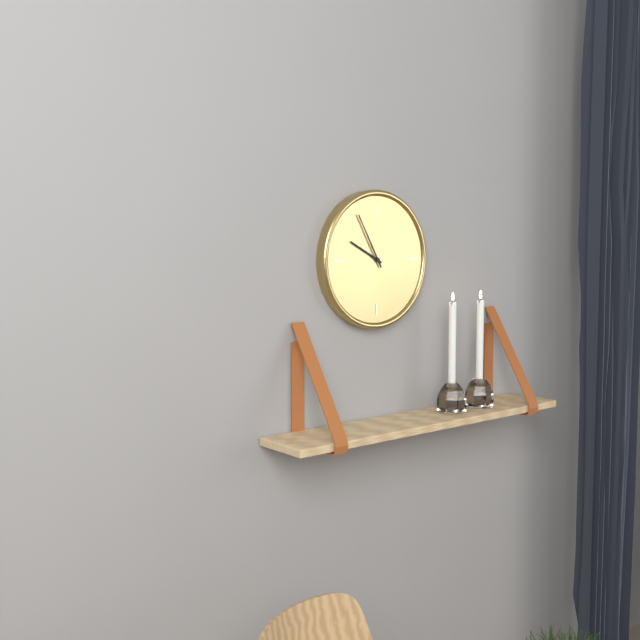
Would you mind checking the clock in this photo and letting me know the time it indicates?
9:55
